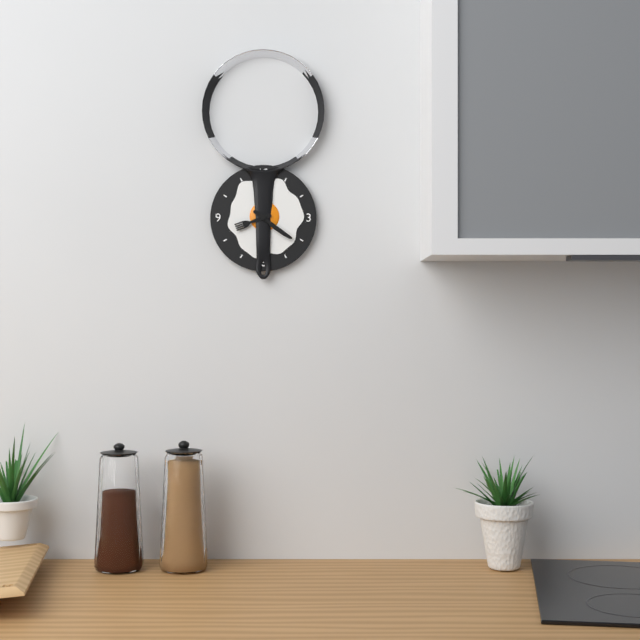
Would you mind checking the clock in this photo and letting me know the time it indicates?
8:21
